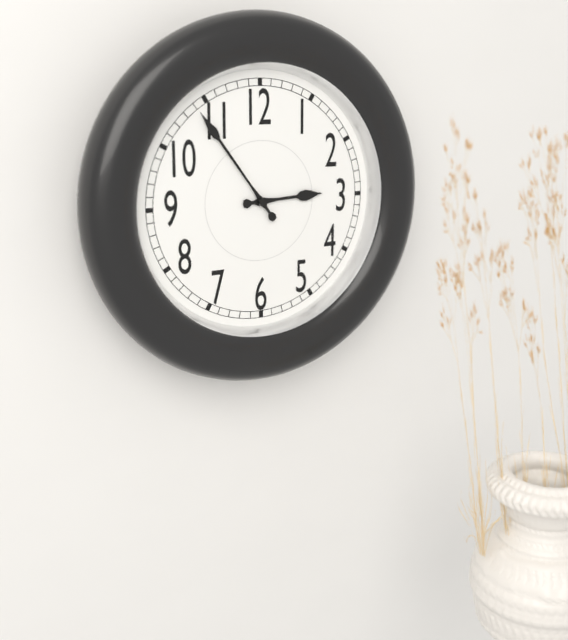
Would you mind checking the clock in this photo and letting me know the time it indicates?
2:54
